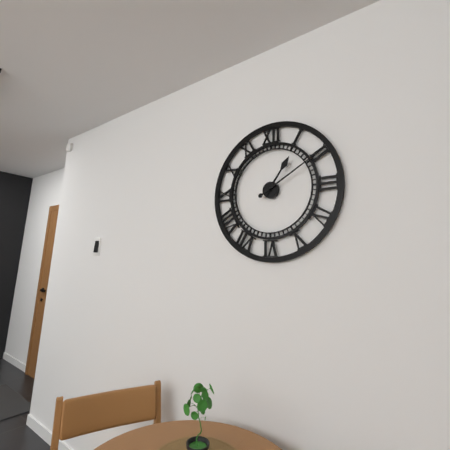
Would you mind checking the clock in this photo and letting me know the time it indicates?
1:10
